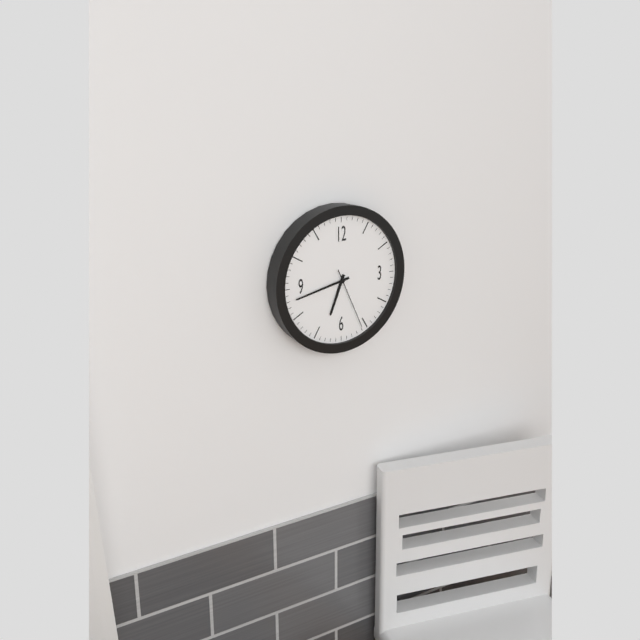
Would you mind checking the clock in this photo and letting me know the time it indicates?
6:43:26
